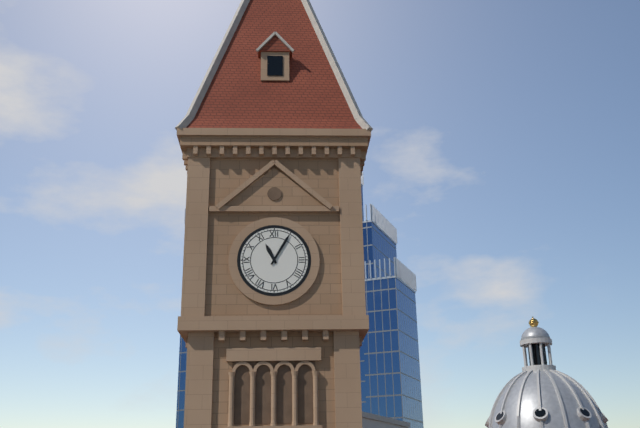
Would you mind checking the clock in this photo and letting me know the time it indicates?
11:05
